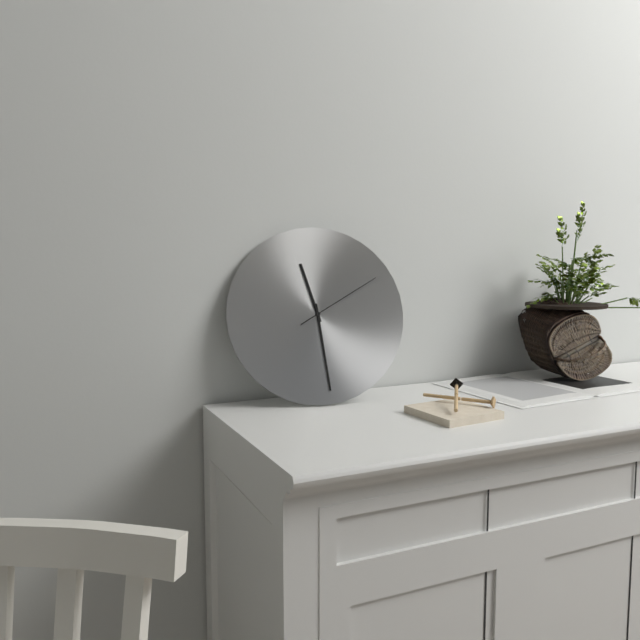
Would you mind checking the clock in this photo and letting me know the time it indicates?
11:29:10
